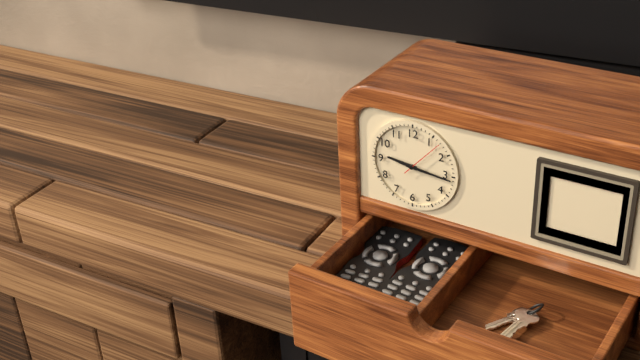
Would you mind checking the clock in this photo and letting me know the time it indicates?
9:16
